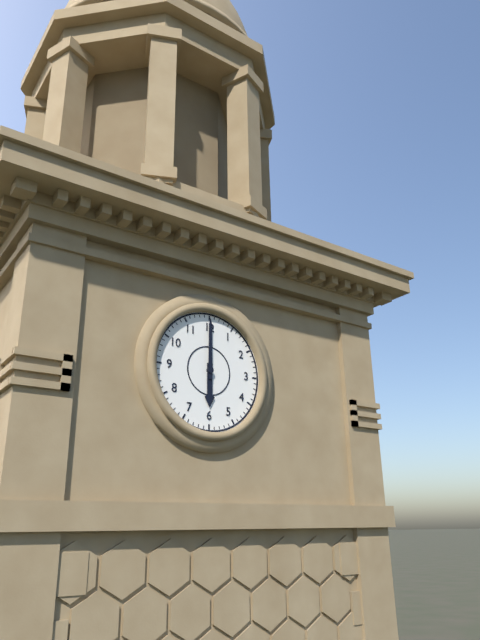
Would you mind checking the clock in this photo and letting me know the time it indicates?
6:00
